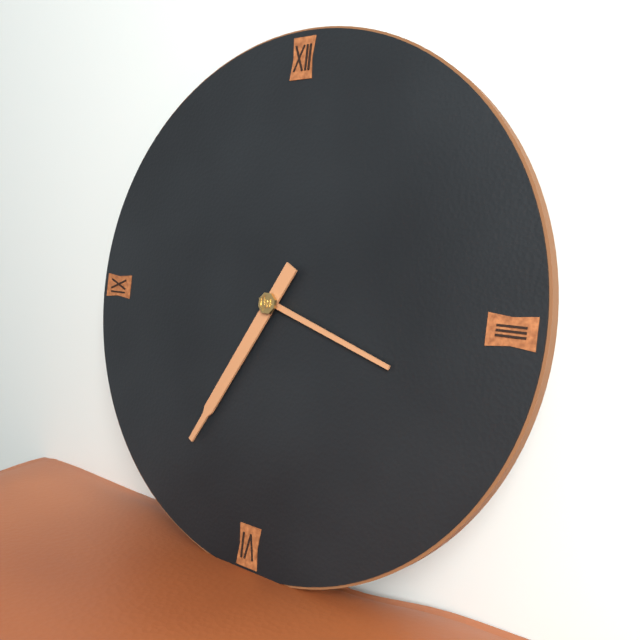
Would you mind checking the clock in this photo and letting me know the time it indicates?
3:35
